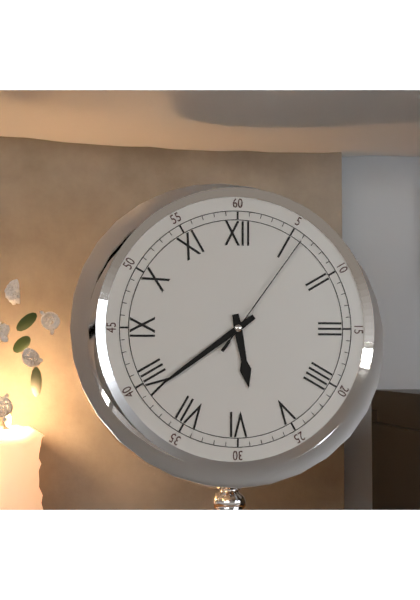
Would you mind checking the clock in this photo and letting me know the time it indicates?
5:39:06
